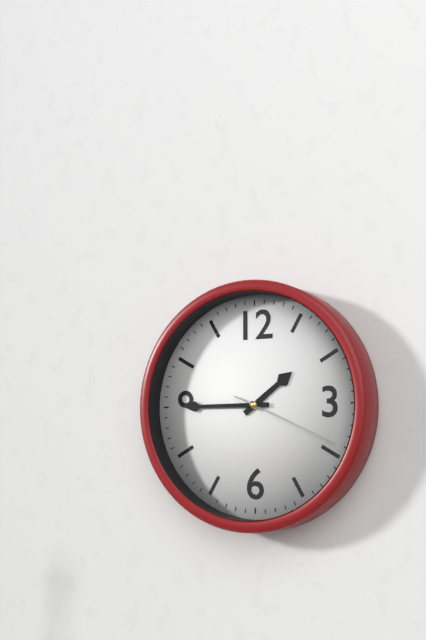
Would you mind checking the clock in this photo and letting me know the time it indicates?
1:45:19
